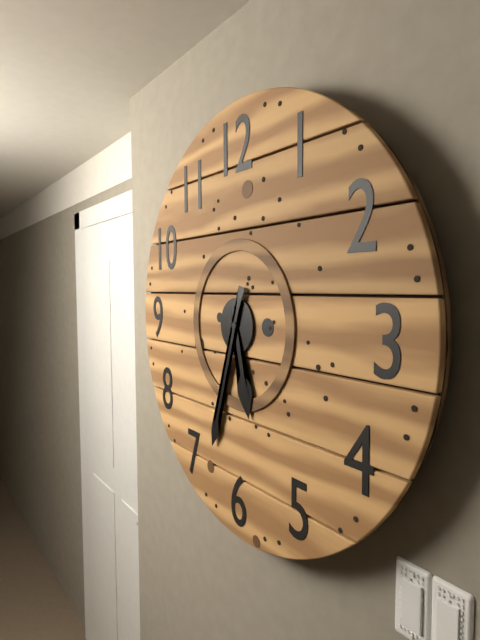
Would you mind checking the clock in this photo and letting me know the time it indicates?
5:33
